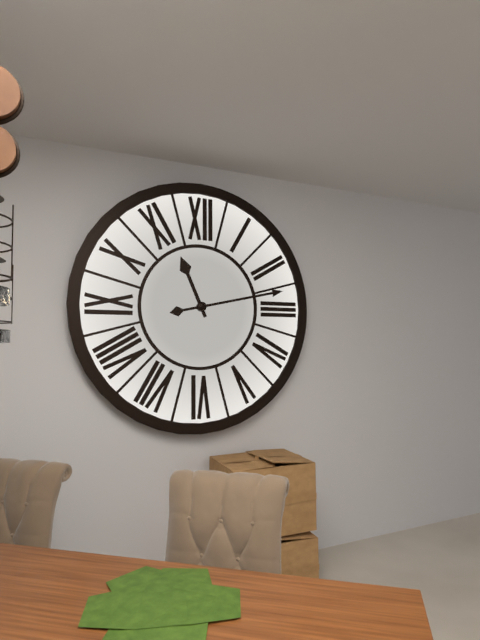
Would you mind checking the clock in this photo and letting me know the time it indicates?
11:13
